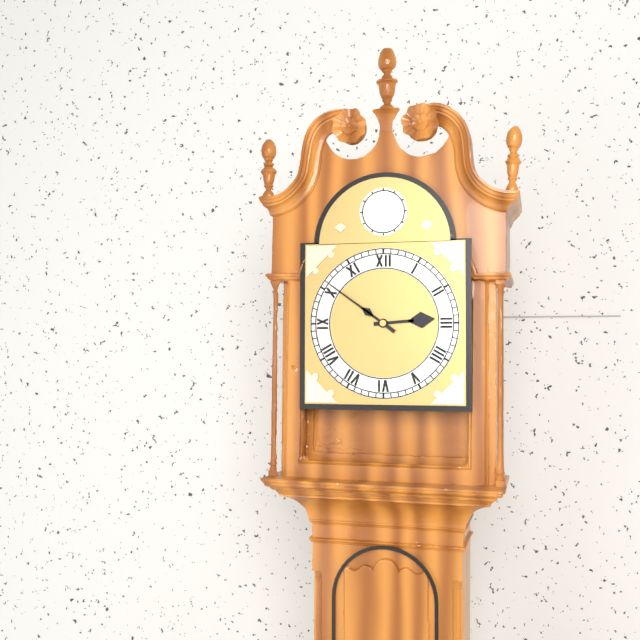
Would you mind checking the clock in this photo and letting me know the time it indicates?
2:51
